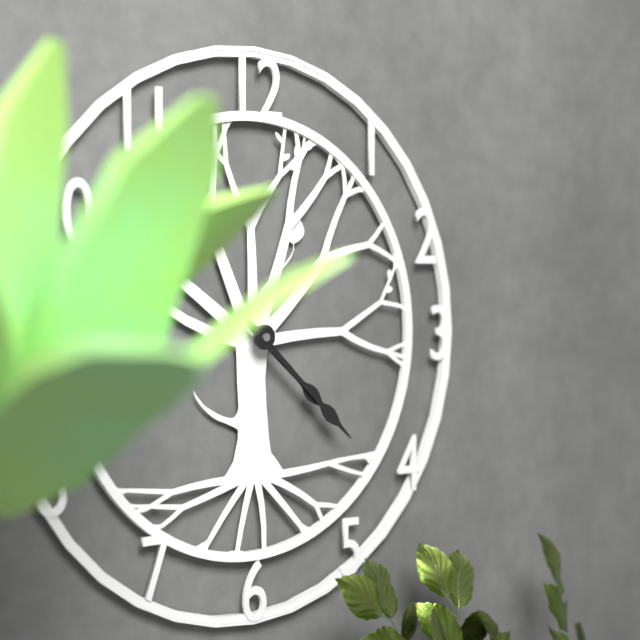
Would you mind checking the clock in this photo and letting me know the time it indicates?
4:22
